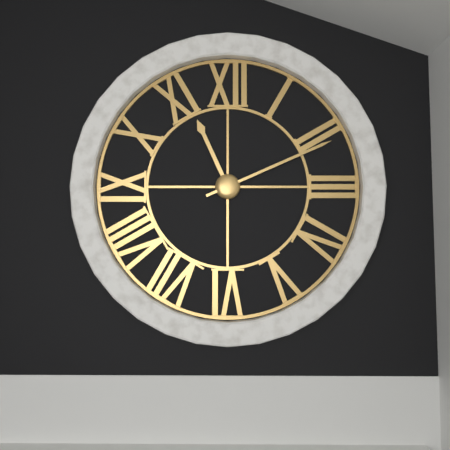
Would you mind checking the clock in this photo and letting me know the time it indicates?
11:11
